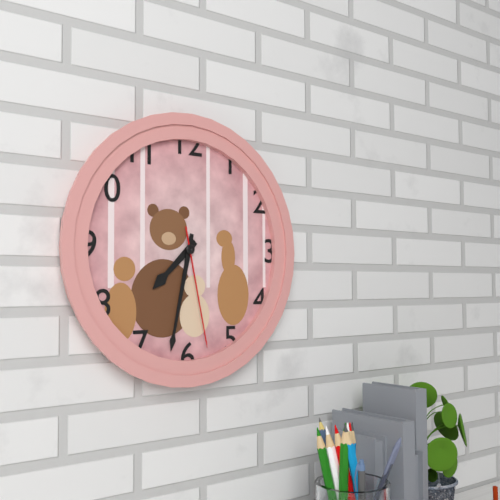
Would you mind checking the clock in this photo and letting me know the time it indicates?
7:32:28
